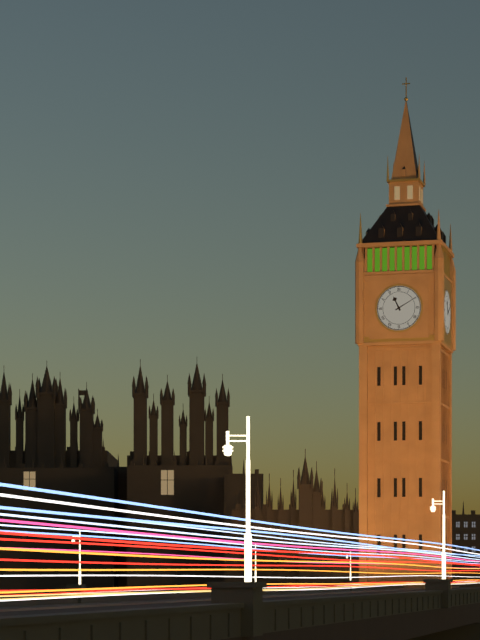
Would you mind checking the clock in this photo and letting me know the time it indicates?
11:10
